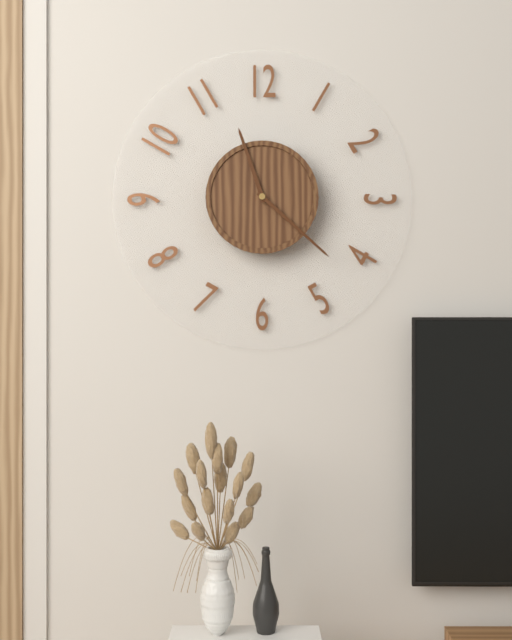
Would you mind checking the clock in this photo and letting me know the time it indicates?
11:22
